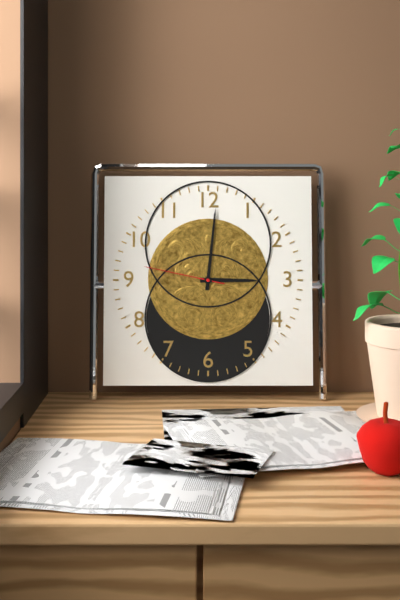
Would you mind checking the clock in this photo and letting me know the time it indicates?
3:01:47
